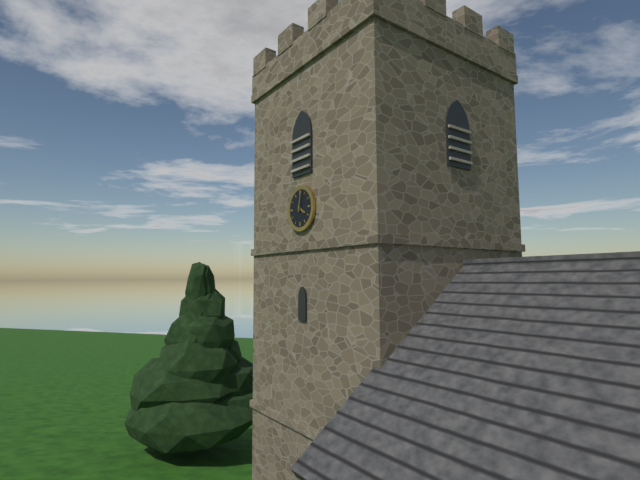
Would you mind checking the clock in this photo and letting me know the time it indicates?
4:02
